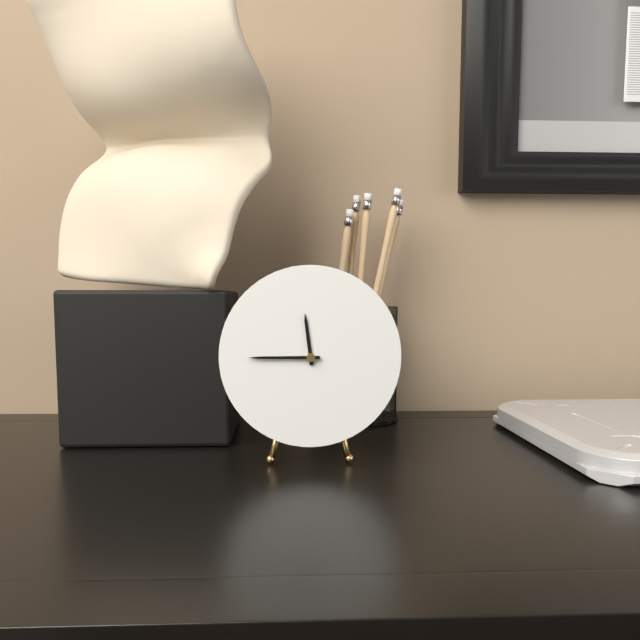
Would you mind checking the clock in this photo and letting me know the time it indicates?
11:45
